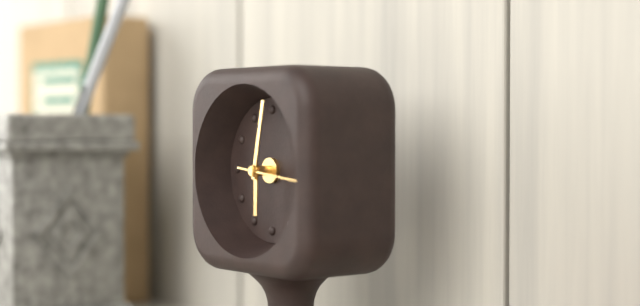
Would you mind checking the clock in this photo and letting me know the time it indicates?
6:02
